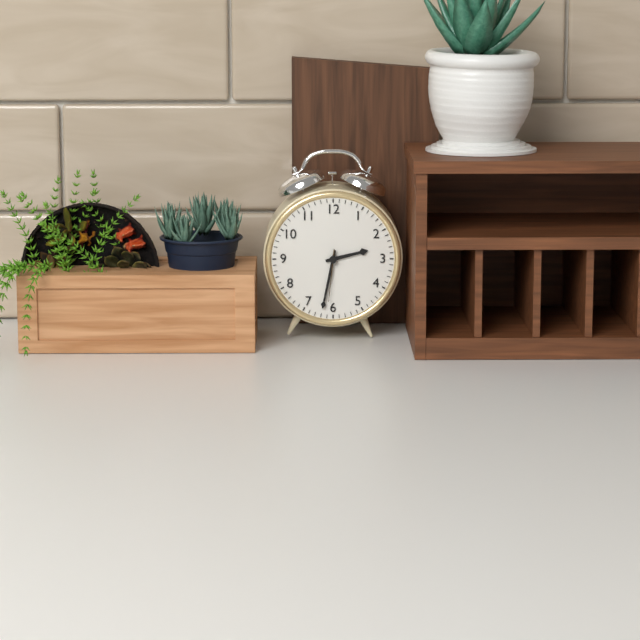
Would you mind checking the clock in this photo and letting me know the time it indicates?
2:32:31
